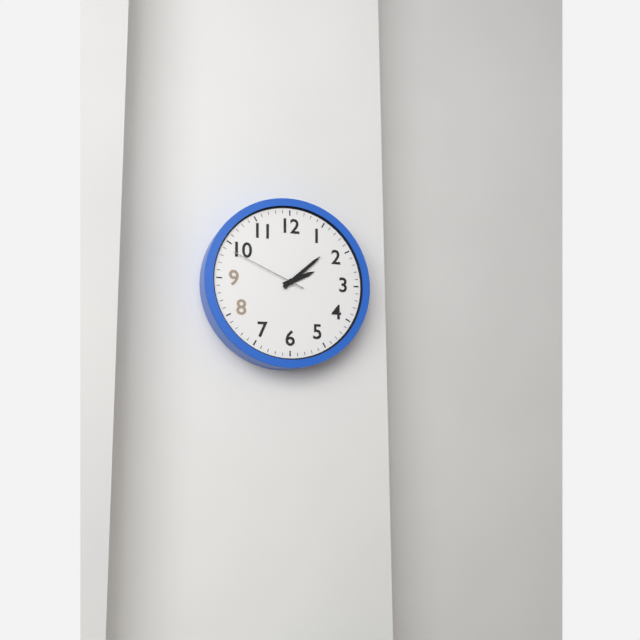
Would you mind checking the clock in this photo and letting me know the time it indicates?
2:08:49
